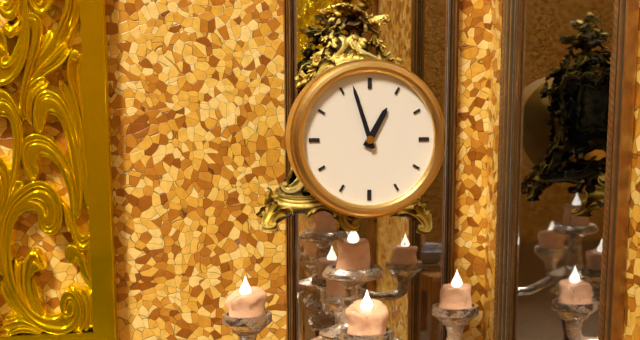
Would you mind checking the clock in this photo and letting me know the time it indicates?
12:57
